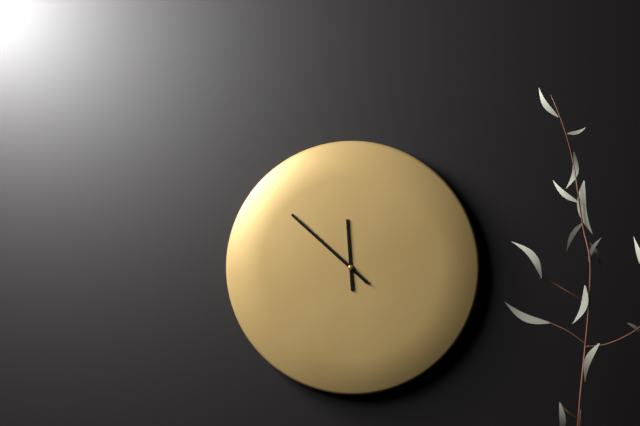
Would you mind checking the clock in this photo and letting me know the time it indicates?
11:52
